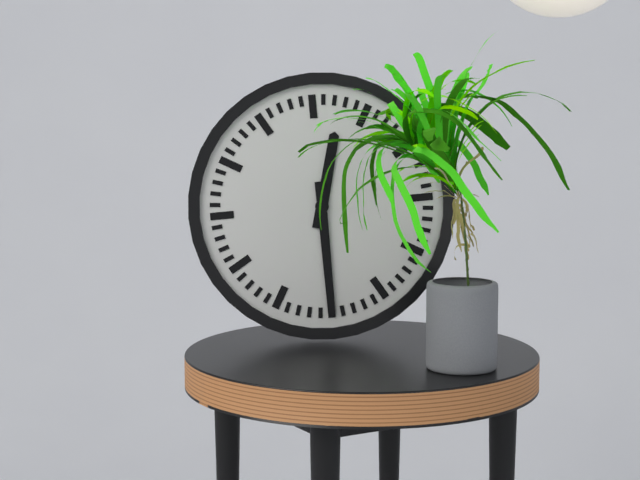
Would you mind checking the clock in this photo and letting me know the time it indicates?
12:30
